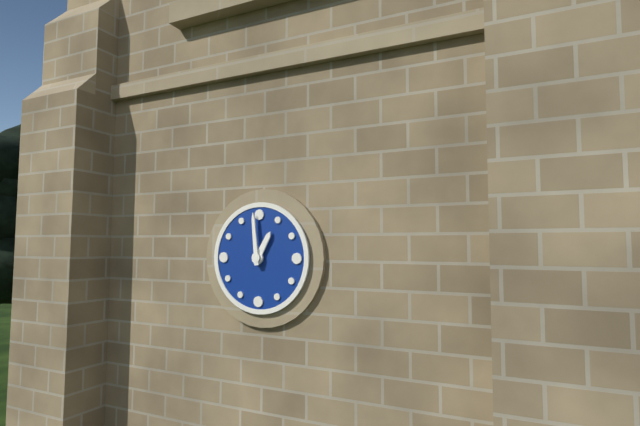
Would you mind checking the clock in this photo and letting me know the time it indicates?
12:59
